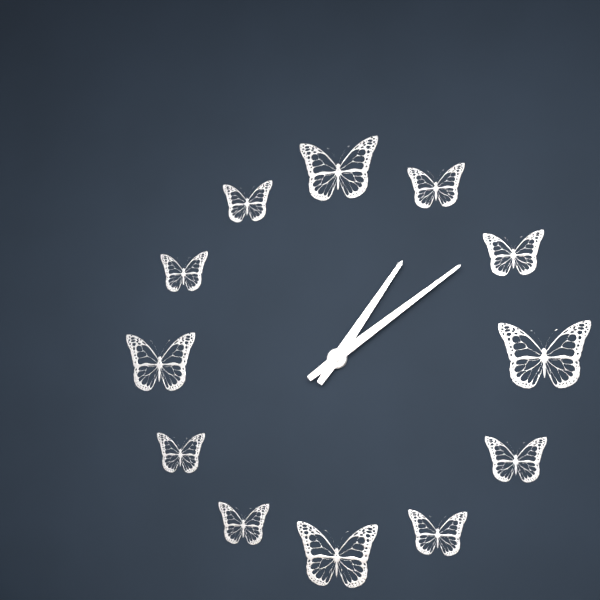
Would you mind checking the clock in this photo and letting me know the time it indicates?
1:09
